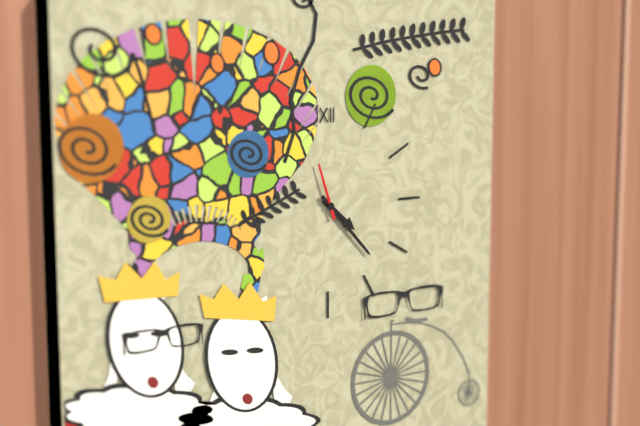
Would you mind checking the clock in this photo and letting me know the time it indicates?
4:23:57
